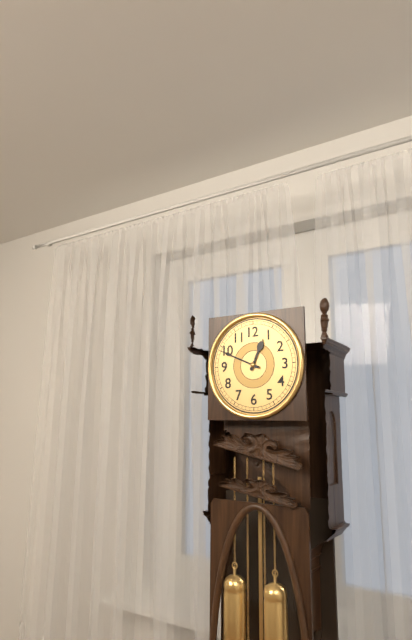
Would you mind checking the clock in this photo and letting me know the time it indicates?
12:49
